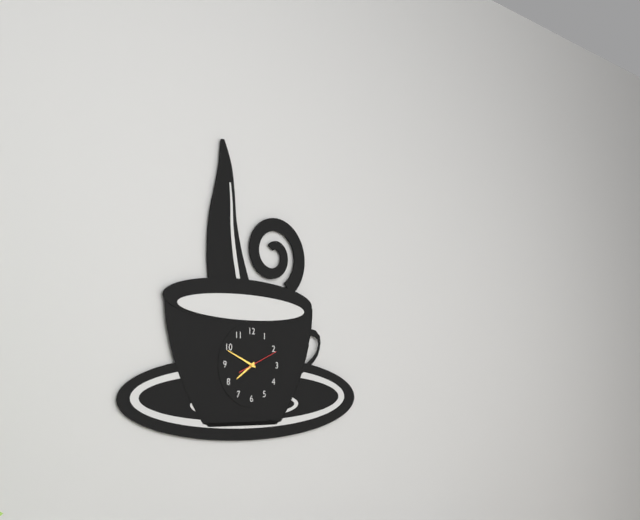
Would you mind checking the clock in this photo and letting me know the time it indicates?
7:49
